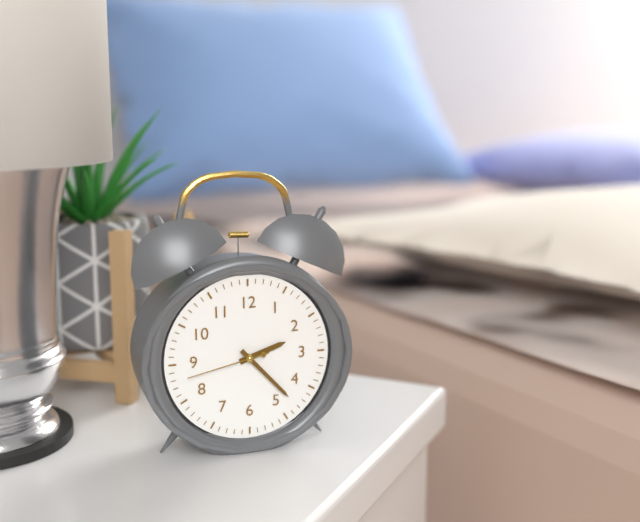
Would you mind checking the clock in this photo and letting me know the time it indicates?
2:23:43
